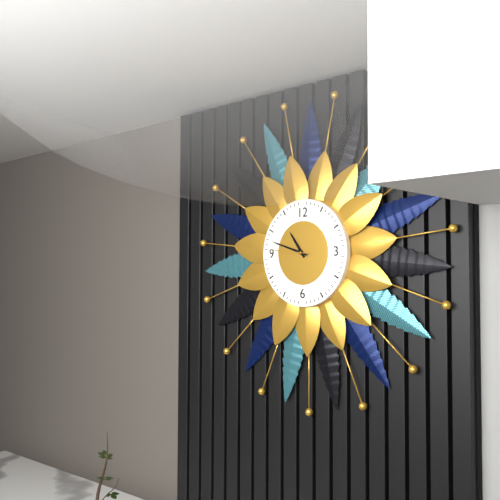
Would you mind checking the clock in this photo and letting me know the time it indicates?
10:48
